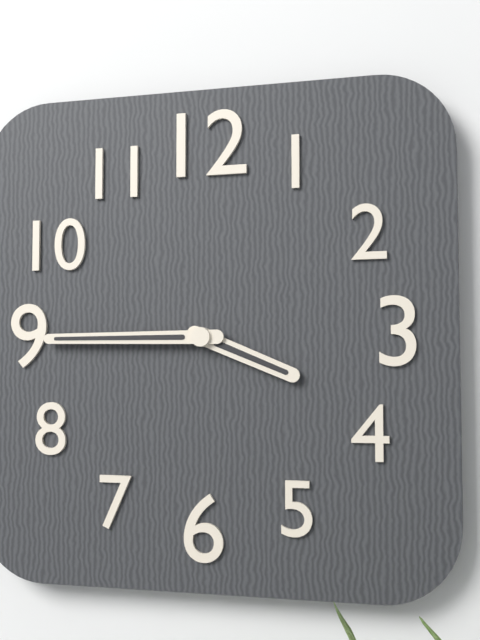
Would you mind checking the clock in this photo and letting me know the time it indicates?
3:45
